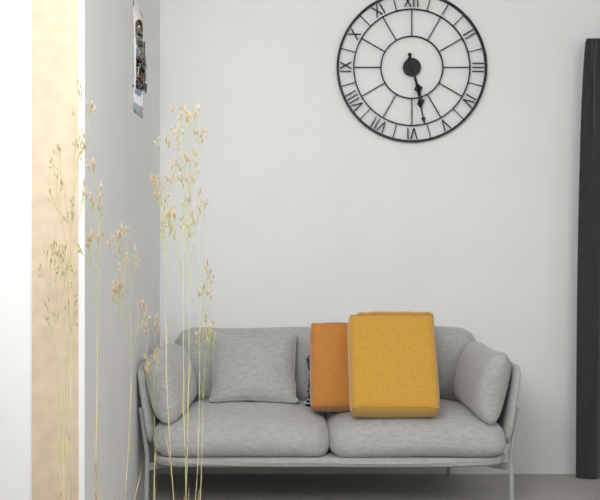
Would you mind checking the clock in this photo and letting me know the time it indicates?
5:28
